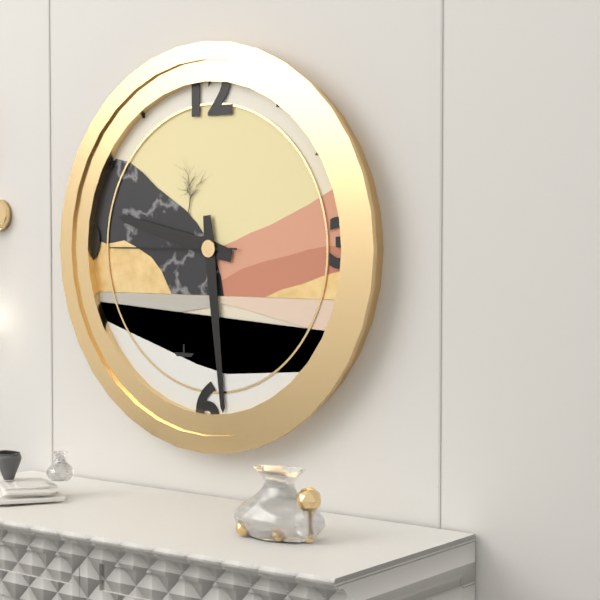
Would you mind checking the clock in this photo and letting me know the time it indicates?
9:29:45
